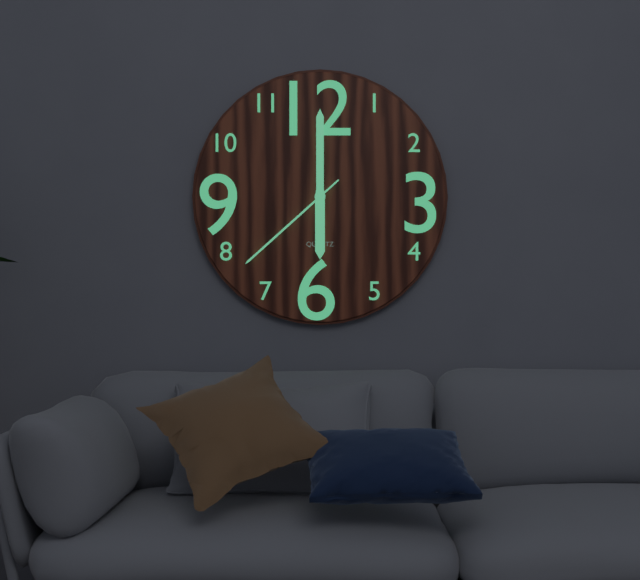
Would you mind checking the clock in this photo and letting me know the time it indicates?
6:00:38
